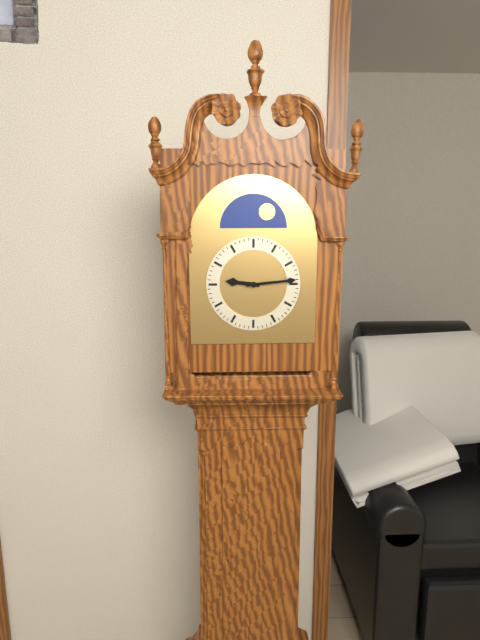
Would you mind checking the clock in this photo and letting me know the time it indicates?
9:14
